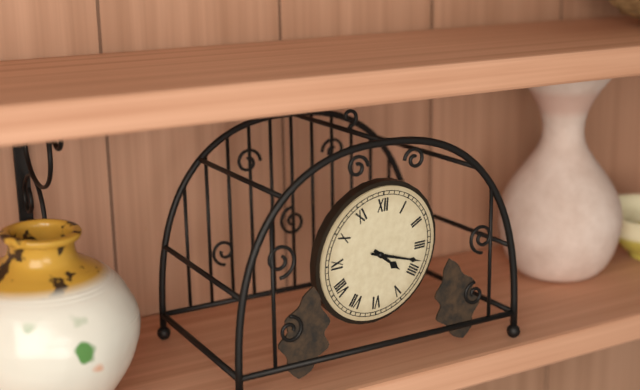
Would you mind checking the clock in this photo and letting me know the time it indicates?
4:18
